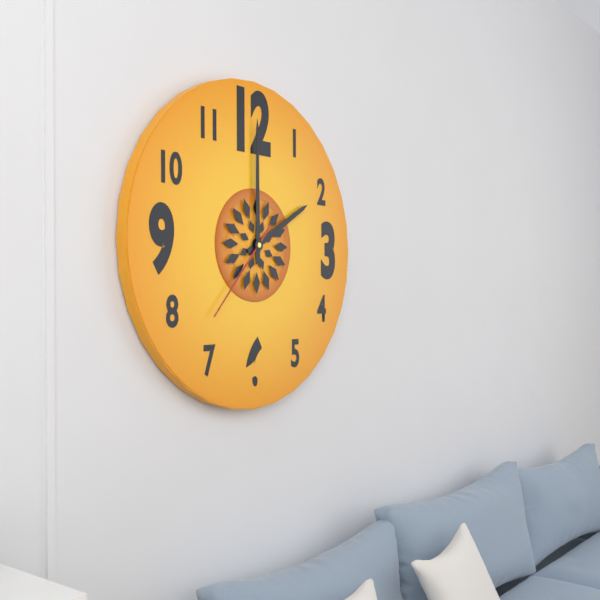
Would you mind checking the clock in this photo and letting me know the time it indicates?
2:00:37
